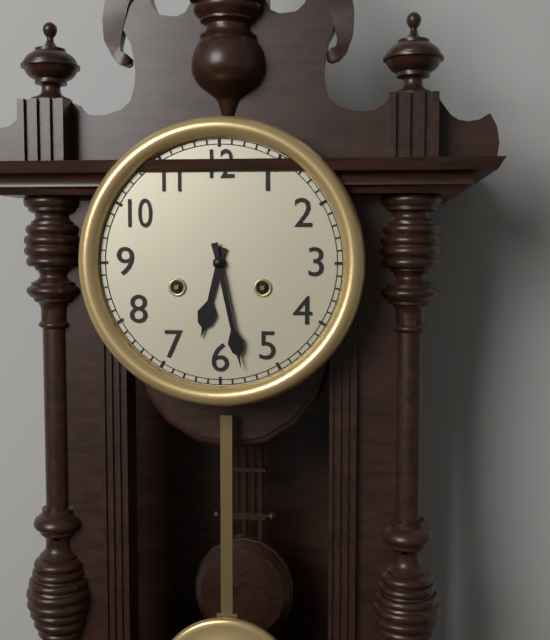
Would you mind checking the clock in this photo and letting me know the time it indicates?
6:28
